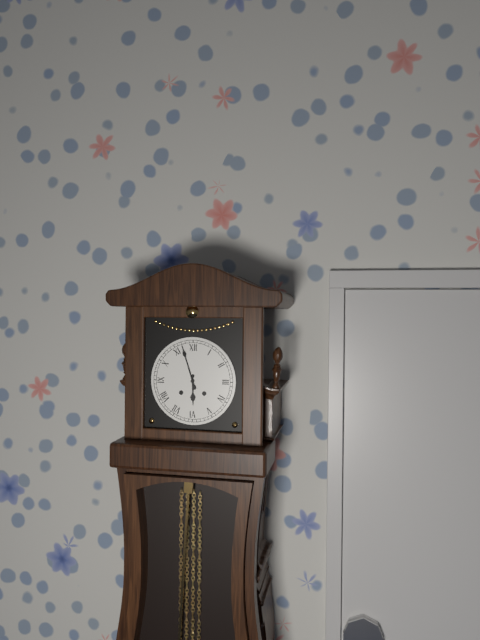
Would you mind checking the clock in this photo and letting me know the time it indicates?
5:57
